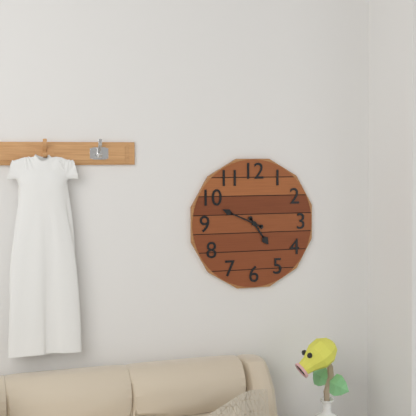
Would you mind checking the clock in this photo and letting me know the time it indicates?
4:49
